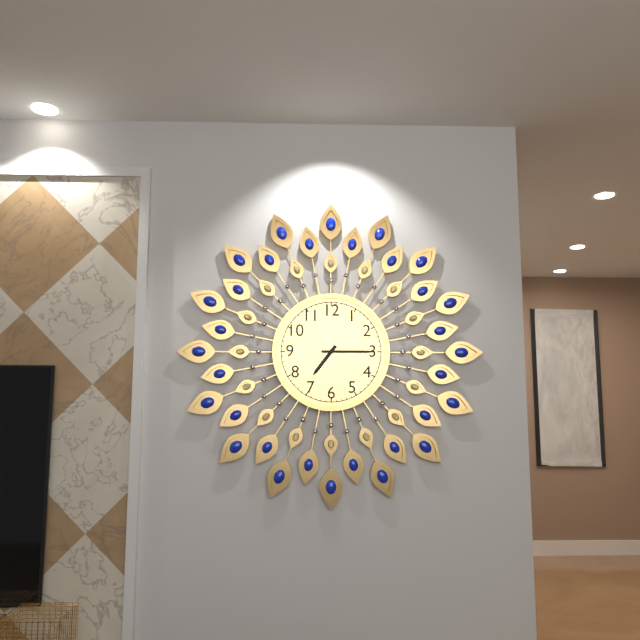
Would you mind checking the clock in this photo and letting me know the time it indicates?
7:15
